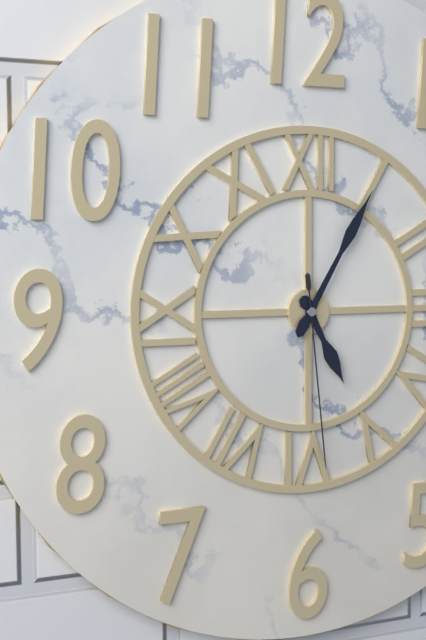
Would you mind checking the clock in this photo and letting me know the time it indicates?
5:05:29
